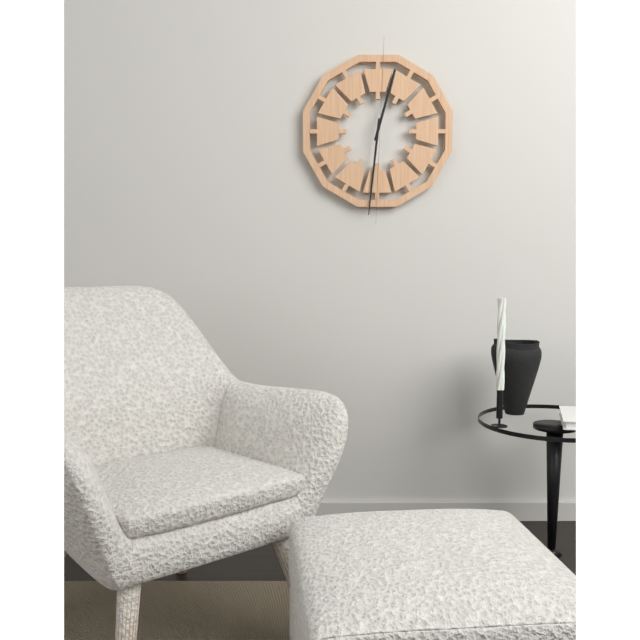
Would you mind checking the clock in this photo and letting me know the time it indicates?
12:31
